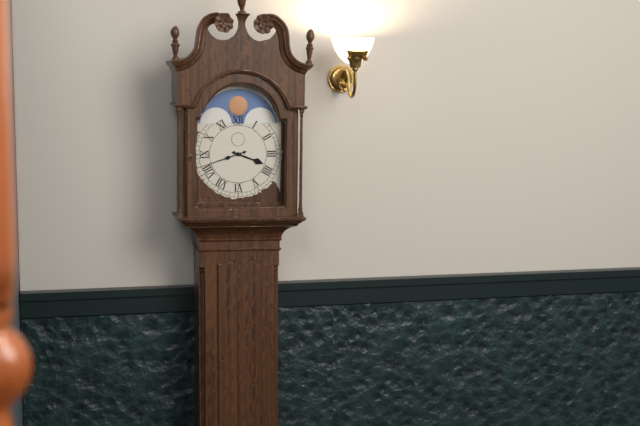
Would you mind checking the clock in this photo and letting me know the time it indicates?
3:42
